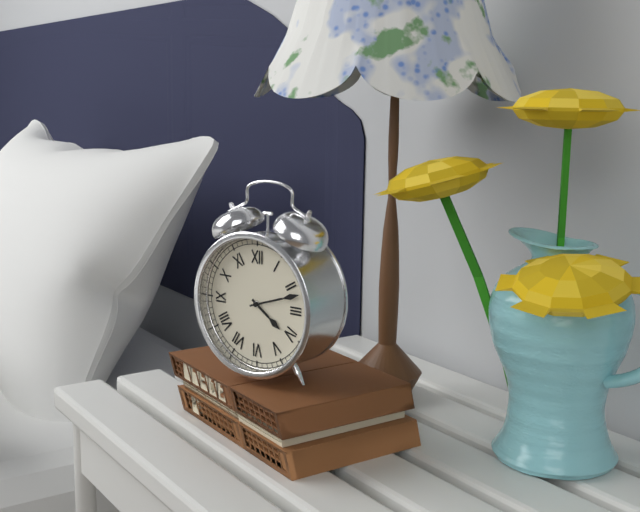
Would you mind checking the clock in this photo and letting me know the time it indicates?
4:12
